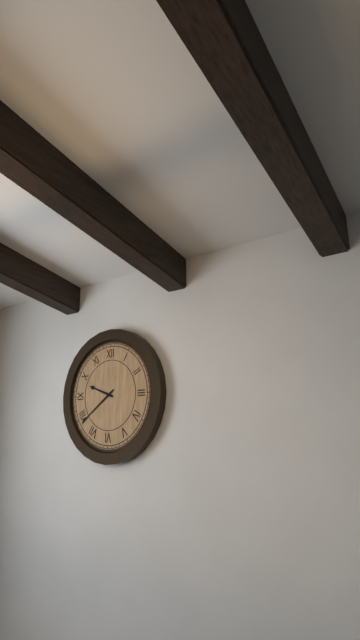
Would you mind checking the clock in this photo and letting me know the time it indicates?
9:39
